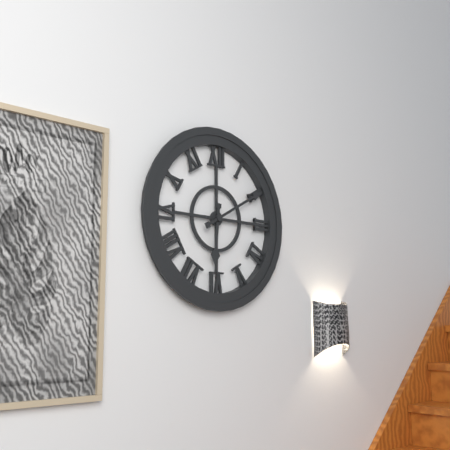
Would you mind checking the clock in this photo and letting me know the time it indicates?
6:10
